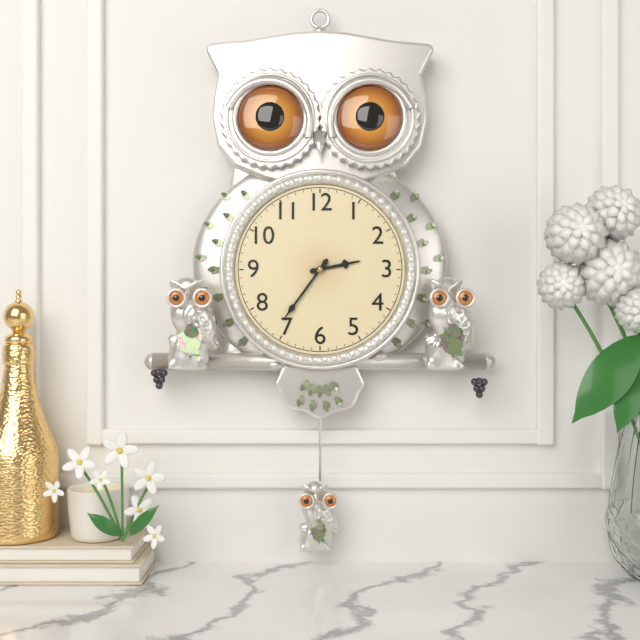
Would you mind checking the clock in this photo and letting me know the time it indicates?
2:36
